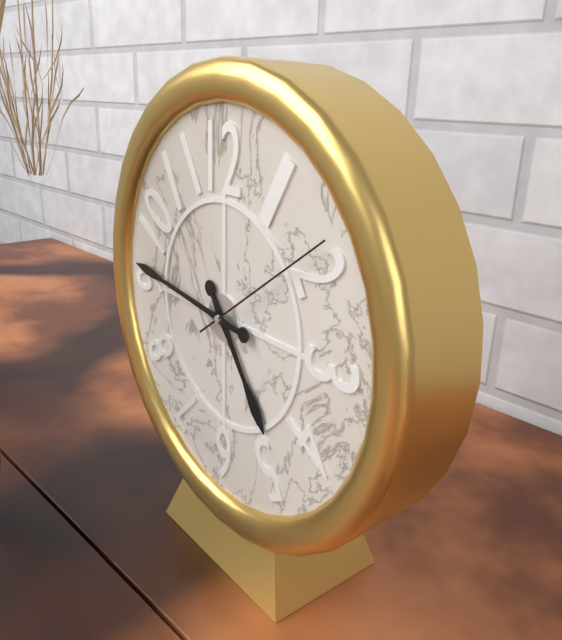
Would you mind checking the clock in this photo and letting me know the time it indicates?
4:46:09
